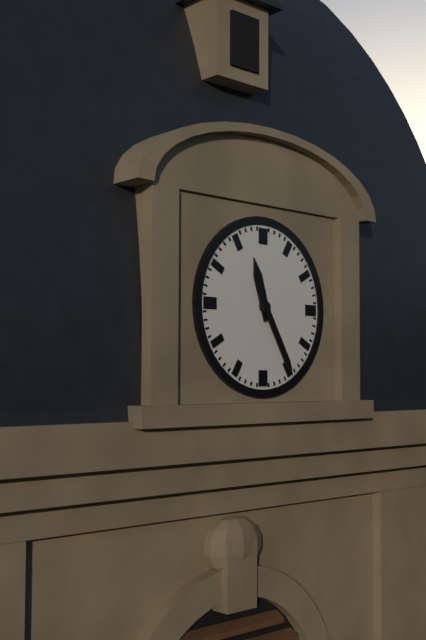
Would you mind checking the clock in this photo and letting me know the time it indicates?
11:25
